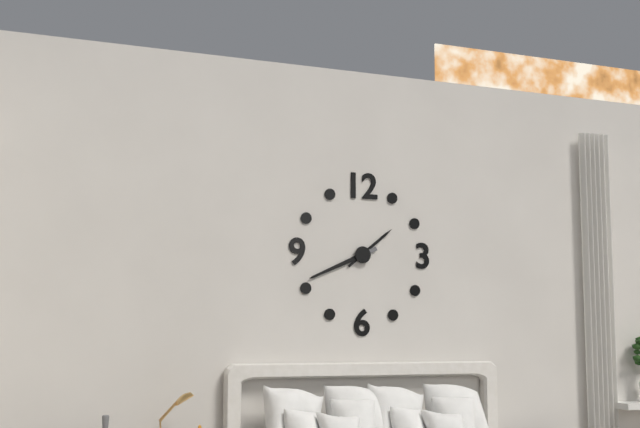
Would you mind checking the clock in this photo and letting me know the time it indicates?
1:41
